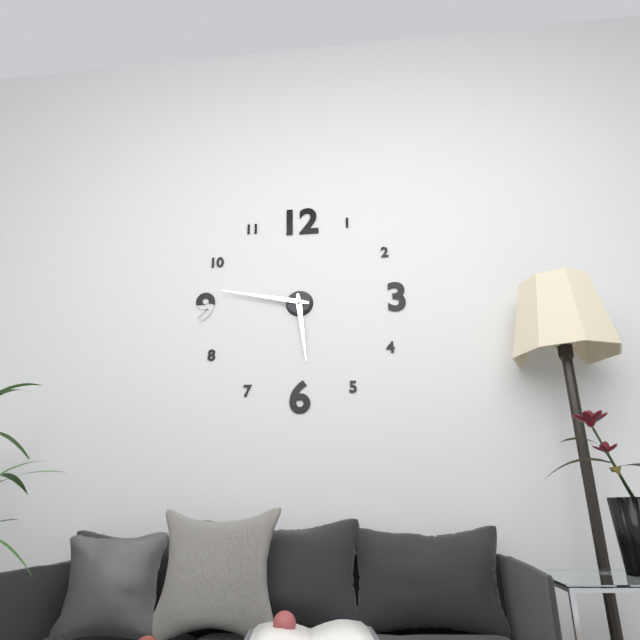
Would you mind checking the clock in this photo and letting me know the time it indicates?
5:47
